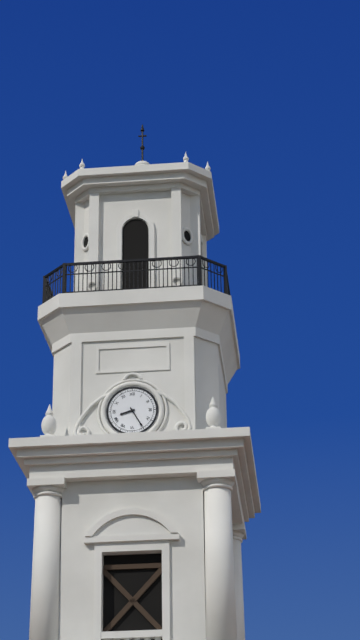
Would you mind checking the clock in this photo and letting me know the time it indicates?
8:25
